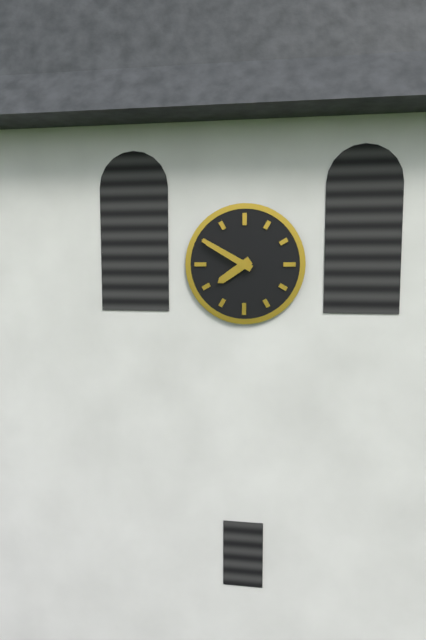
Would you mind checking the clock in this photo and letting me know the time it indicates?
7:50
